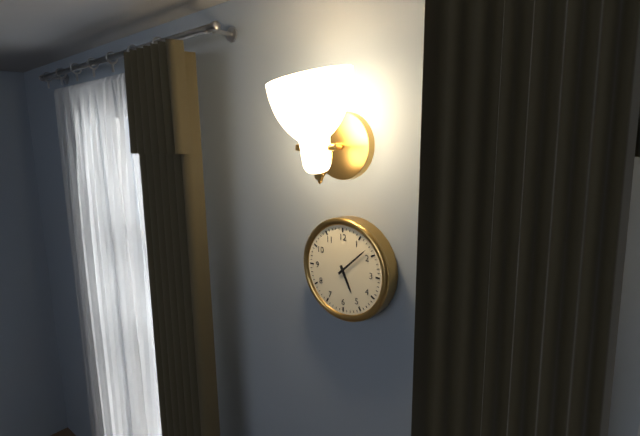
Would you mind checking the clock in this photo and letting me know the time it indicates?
5:08
